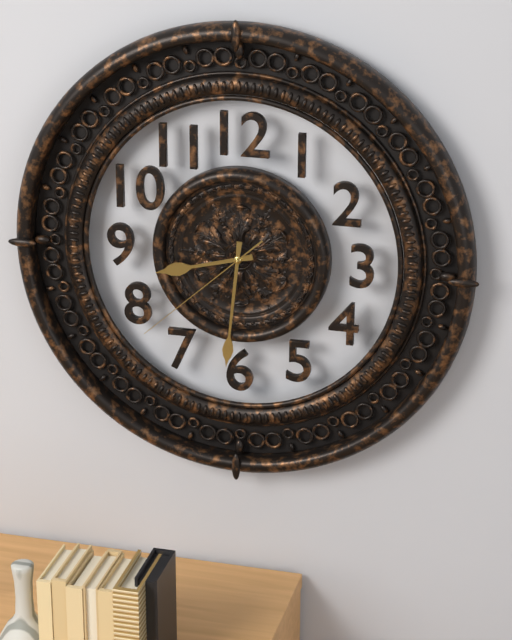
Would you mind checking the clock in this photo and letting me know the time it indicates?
8:31:38
